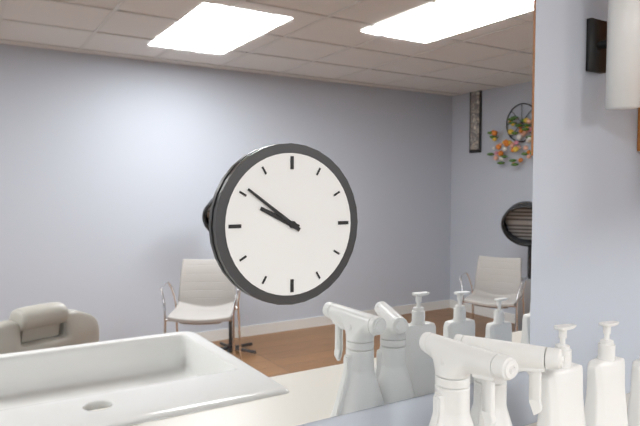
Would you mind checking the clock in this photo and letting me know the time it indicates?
9:51
